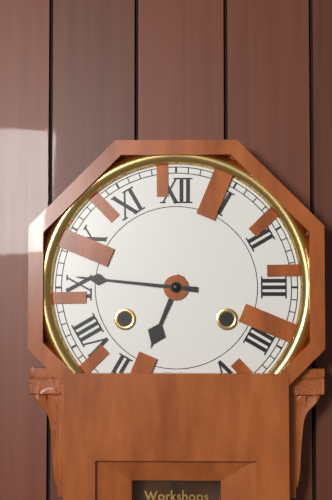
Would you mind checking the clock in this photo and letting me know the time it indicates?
6:46
